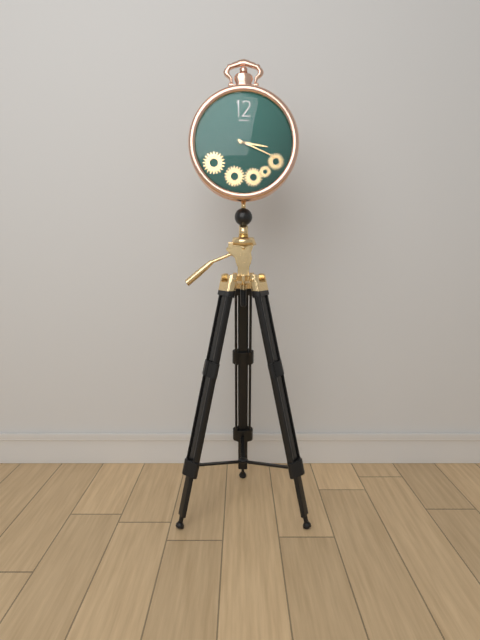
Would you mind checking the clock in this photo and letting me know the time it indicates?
3:19
